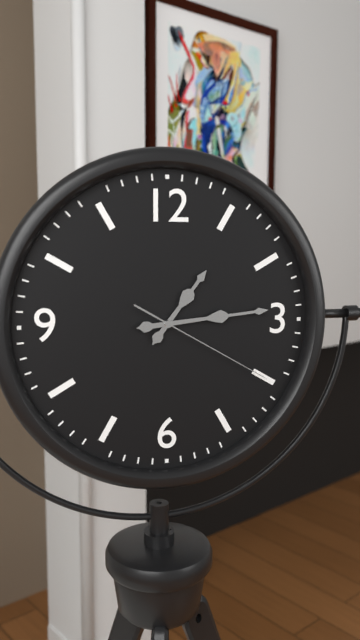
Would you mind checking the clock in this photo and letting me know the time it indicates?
1:14:20
